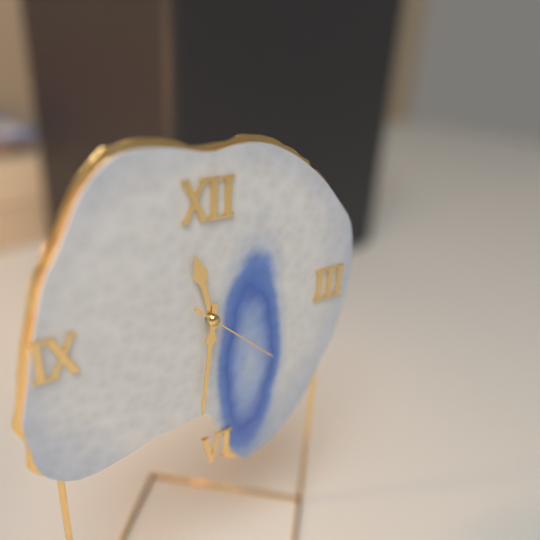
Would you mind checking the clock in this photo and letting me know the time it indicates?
11:31:22
